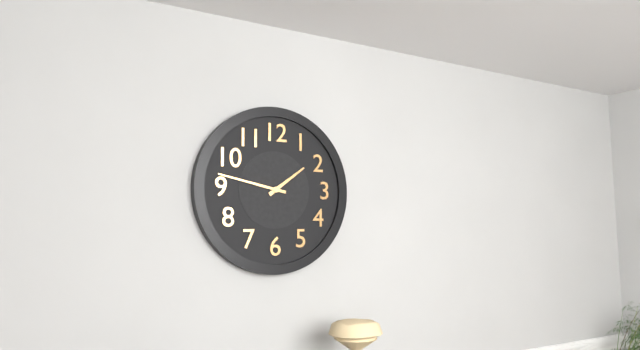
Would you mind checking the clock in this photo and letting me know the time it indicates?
1:47
